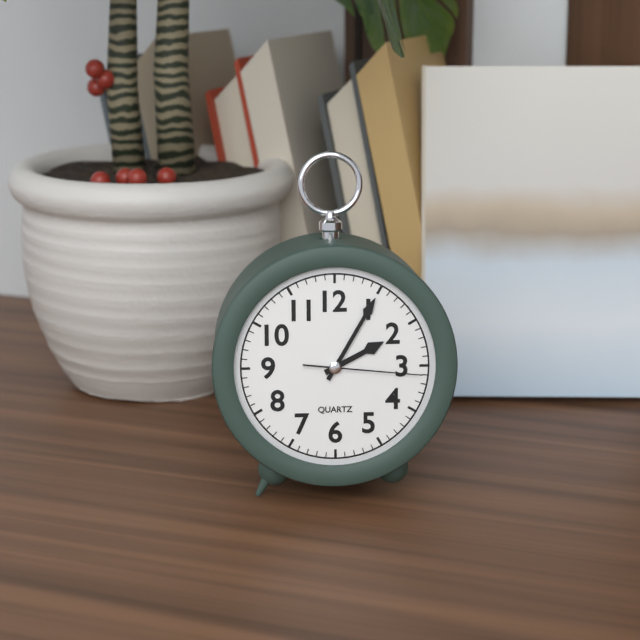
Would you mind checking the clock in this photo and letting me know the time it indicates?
2:05:16
